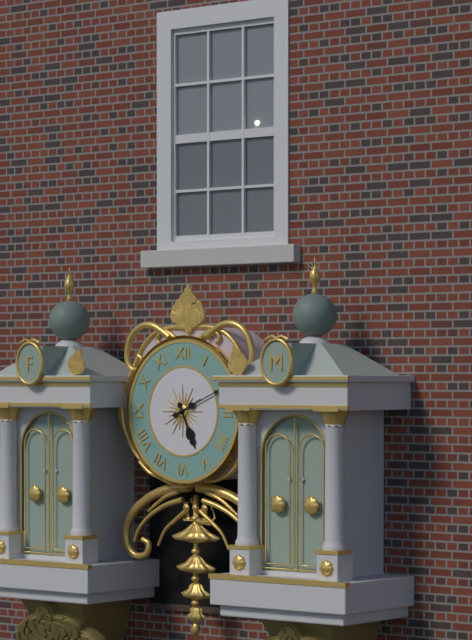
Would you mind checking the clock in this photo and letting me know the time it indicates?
5:11
